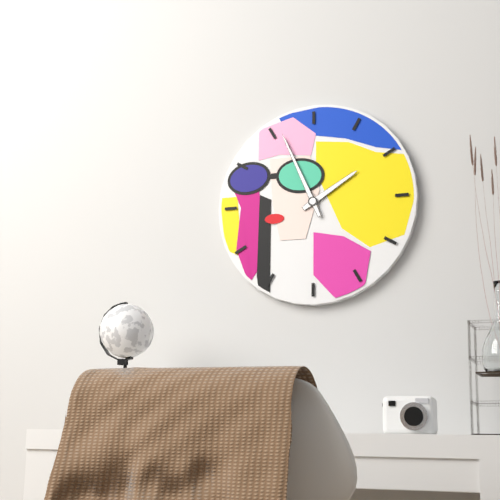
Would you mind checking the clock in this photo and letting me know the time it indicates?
1:56
